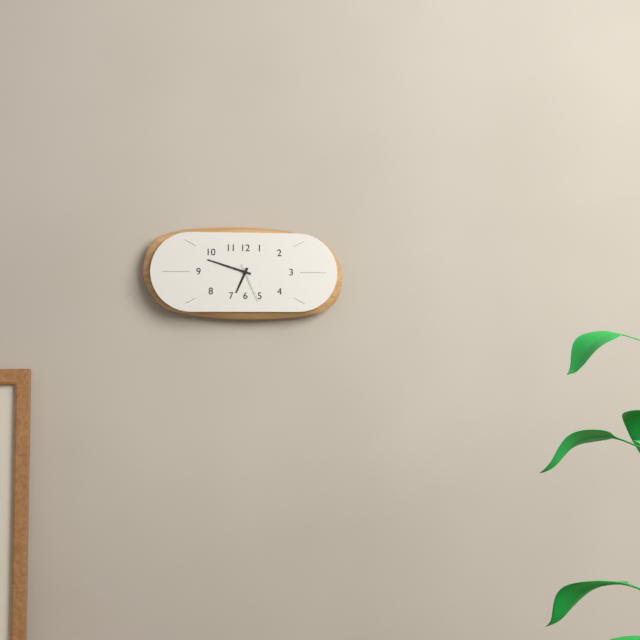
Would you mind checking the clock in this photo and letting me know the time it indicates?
6:48
